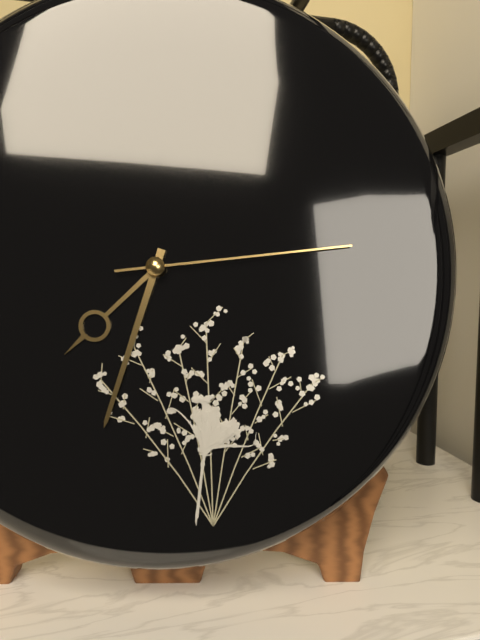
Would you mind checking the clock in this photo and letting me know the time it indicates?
7:33:14
